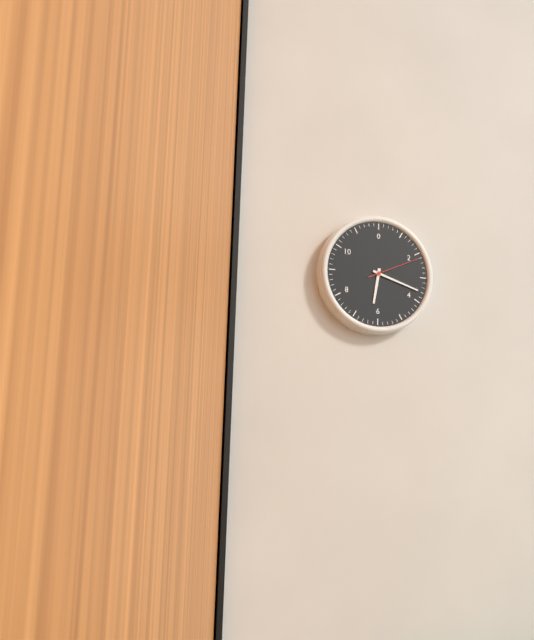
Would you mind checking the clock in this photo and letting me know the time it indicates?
6:18:11
